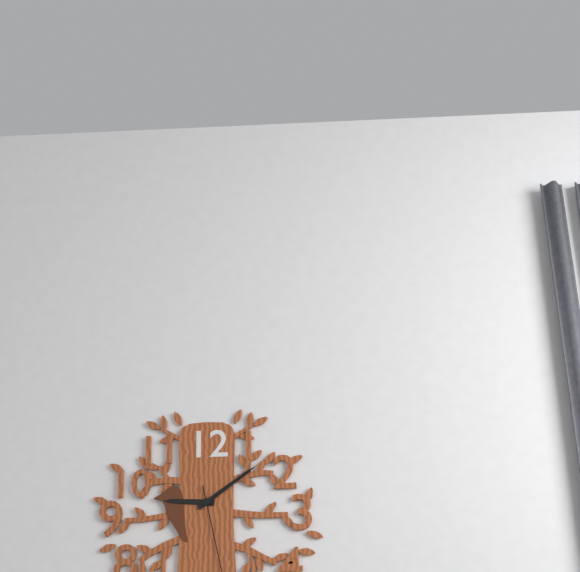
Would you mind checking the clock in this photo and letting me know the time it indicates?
9:09
